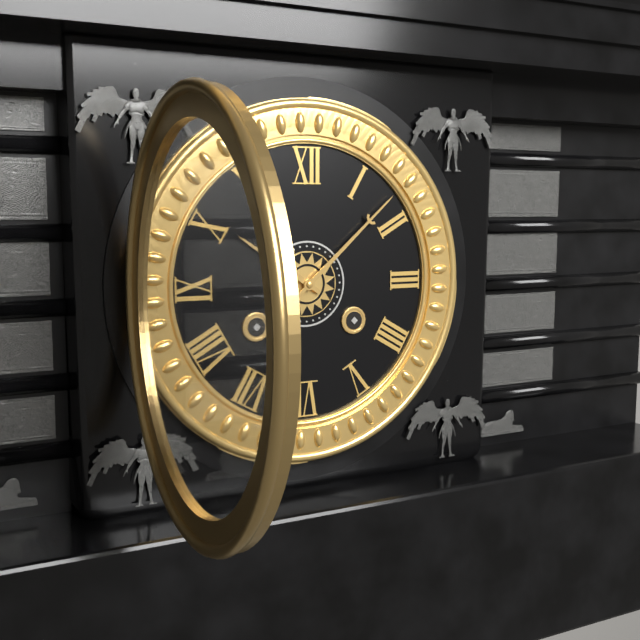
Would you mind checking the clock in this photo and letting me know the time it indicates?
10:08
